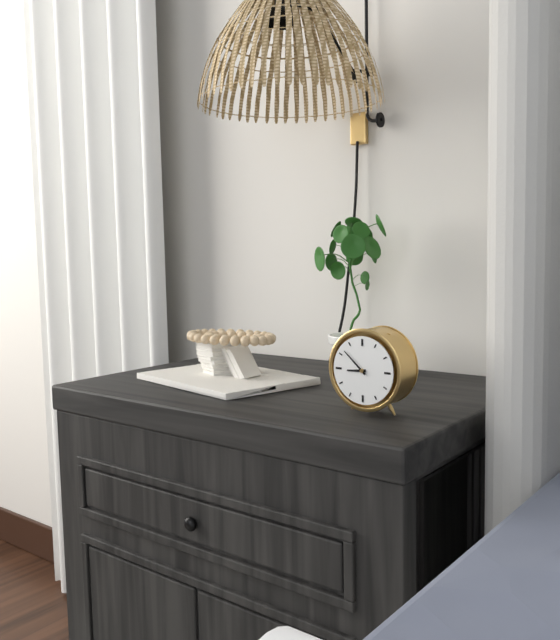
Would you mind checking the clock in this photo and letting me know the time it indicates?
8:52
